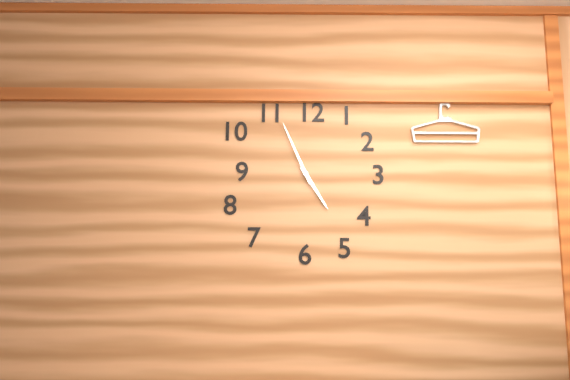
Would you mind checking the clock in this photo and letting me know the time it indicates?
4:56
